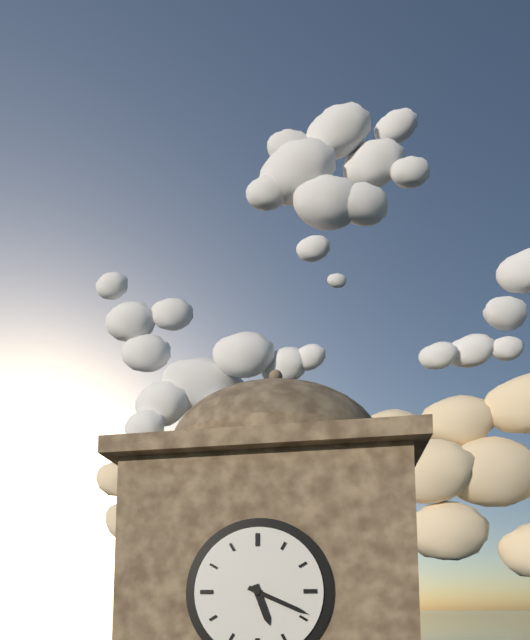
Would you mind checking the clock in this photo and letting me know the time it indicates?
5:19
